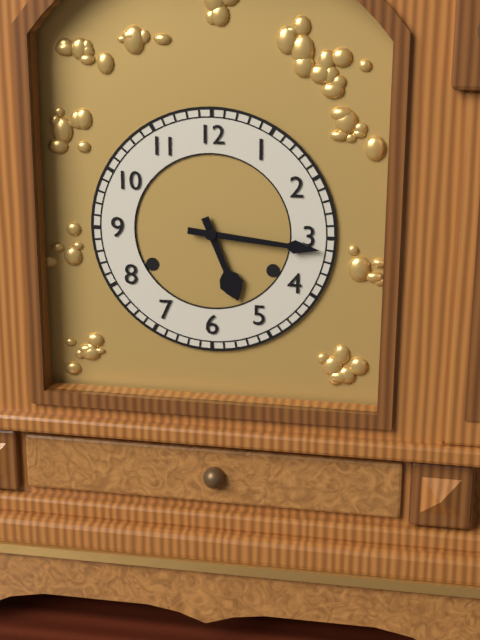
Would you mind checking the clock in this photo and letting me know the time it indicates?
5:16
